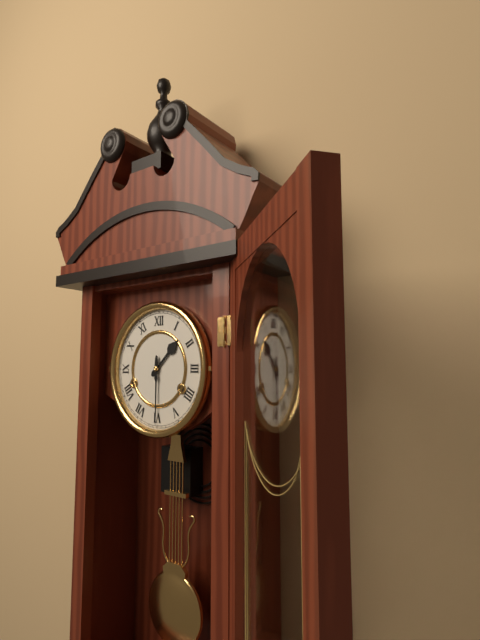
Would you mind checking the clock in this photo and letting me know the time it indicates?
1:30
